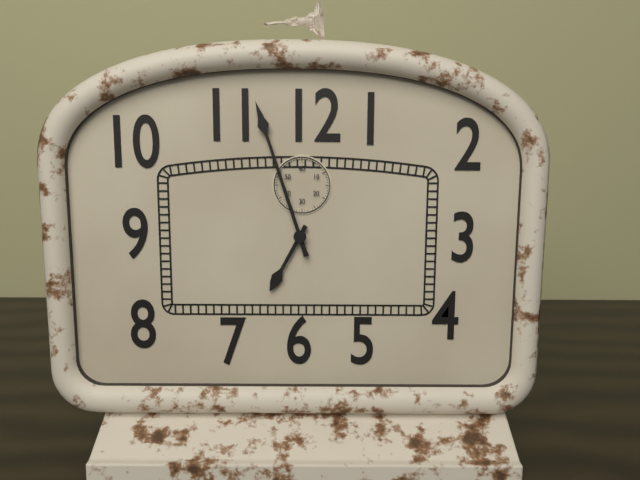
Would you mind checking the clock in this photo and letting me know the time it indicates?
6:57
